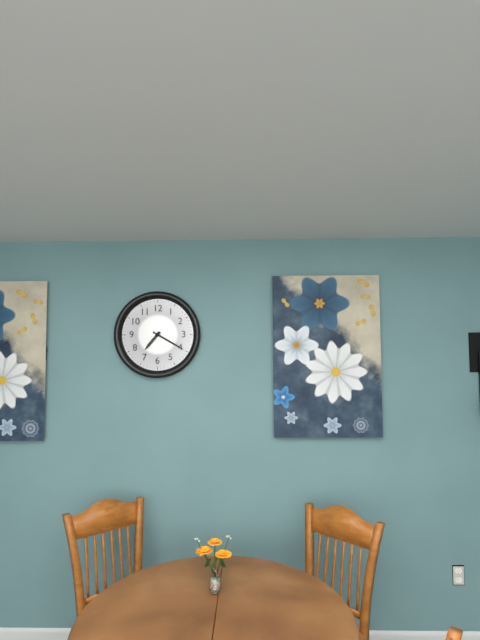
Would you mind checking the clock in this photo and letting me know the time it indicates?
7:20
